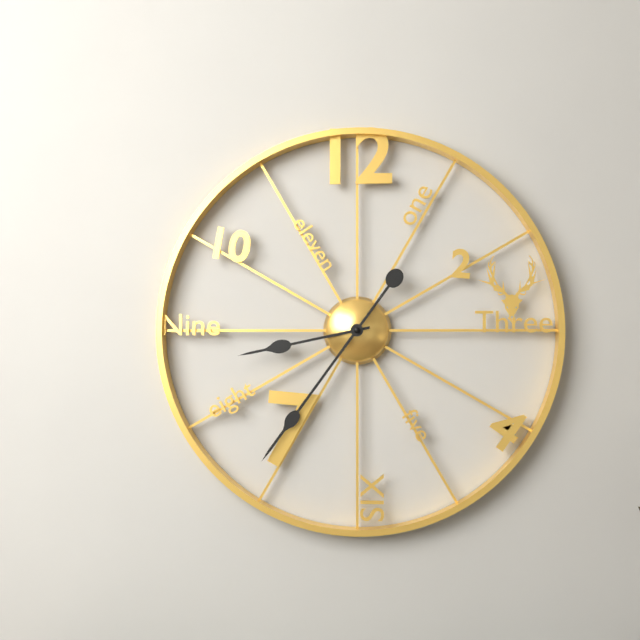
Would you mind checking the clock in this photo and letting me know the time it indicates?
8:36
